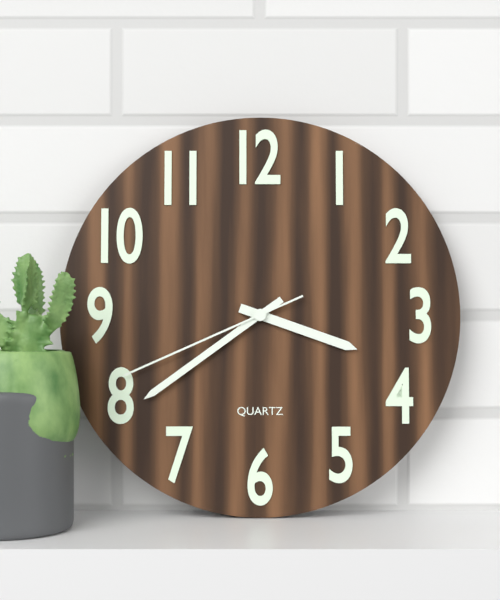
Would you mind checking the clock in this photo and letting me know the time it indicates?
3:39:41
